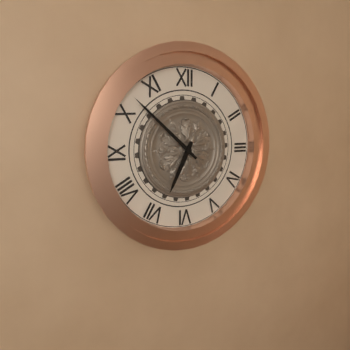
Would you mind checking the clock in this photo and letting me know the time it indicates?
6:52
